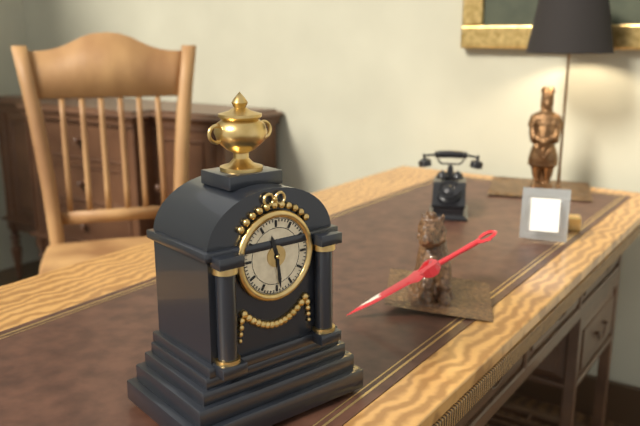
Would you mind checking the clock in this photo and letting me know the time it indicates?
11:29
